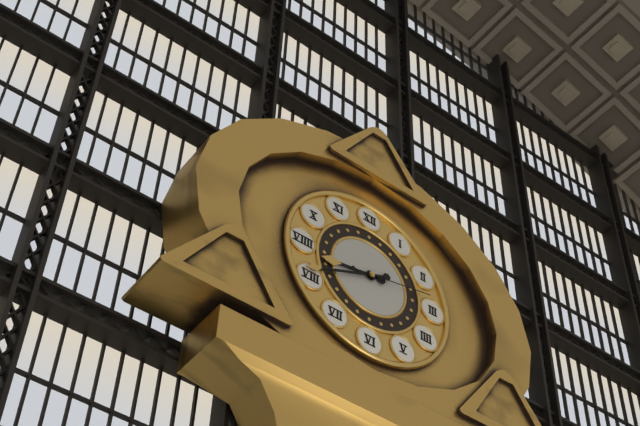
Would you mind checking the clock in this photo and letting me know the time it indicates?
8:41:13
